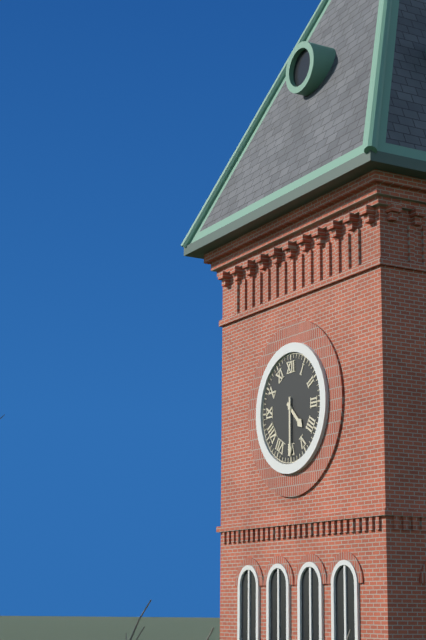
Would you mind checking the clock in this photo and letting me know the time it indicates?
4:30
